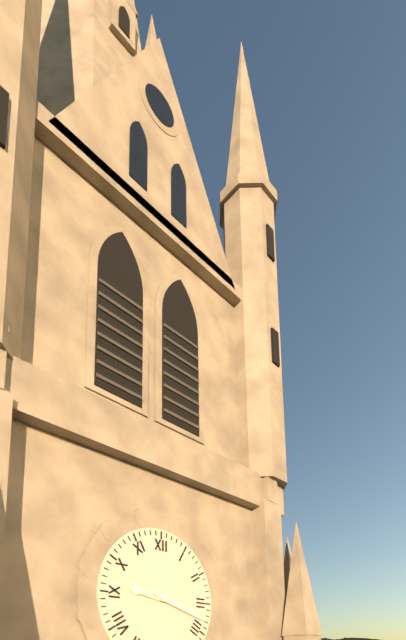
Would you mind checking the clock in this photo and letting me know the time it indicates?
9:18
